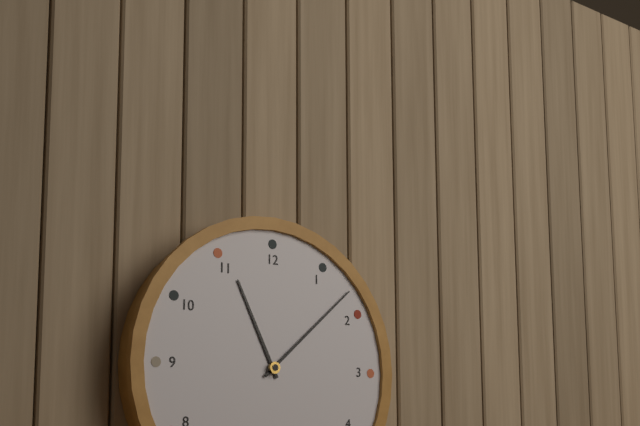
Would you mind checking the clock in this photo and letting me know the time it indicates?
11:08
